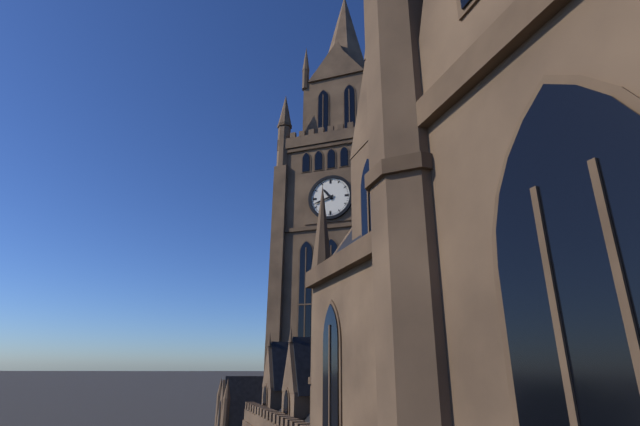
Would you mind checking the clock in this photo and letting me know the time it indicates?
10:42
